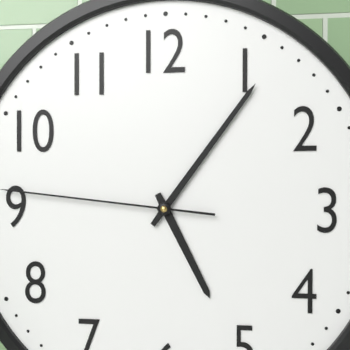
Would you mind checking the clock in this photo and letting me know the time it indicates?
5:06
